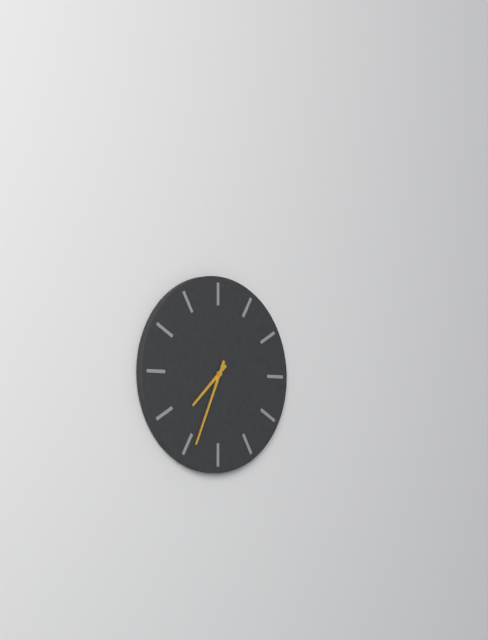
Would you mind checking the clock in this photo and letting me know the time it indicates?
7:34
